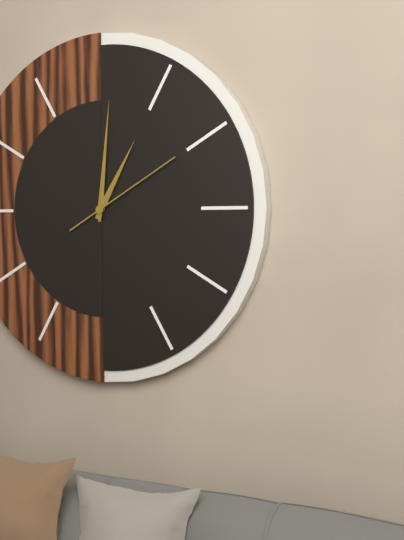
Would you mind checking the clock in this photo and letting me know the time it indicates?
1:01:10
